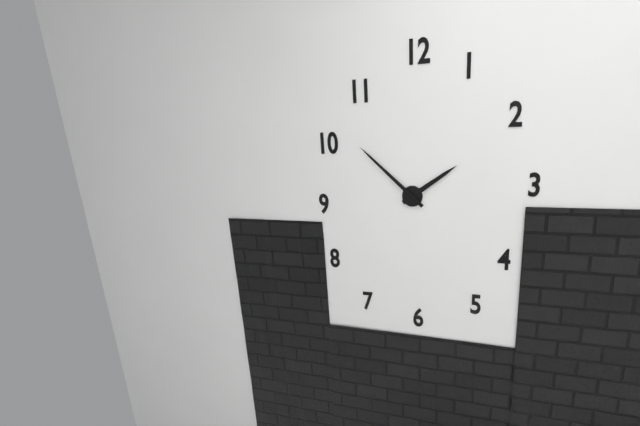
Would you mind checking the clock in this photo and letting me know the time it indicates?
1:52
